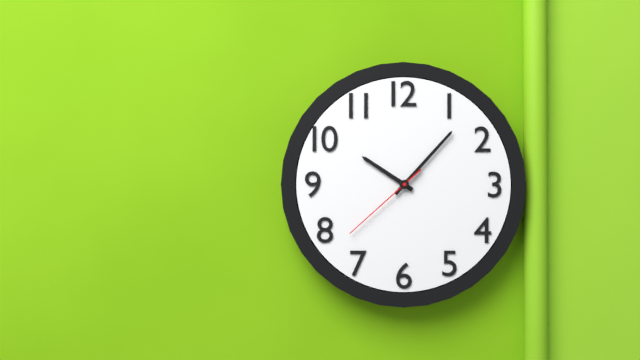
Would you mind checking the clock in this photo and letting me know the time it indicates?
10:07:38
